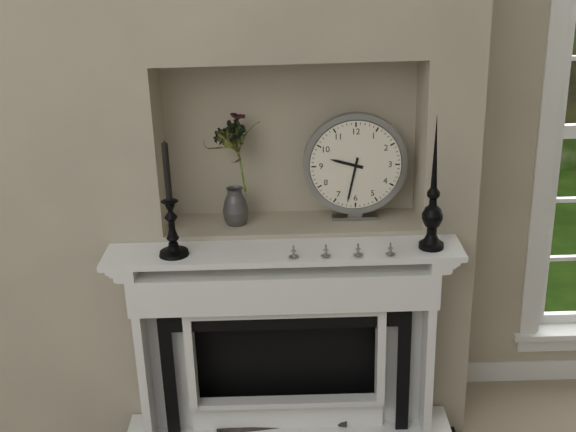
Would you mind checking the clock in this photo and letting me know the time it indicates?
9:32
